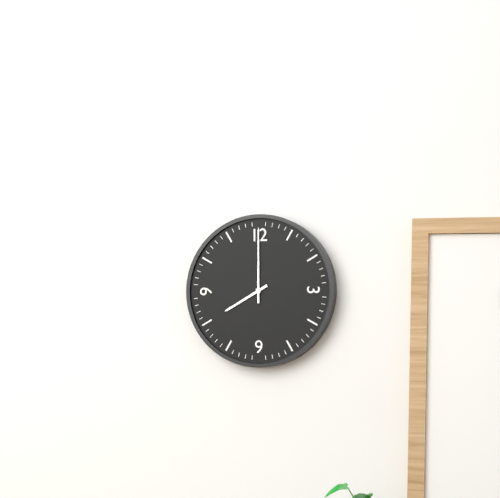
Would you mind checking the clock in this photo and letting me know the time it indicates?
8:00
